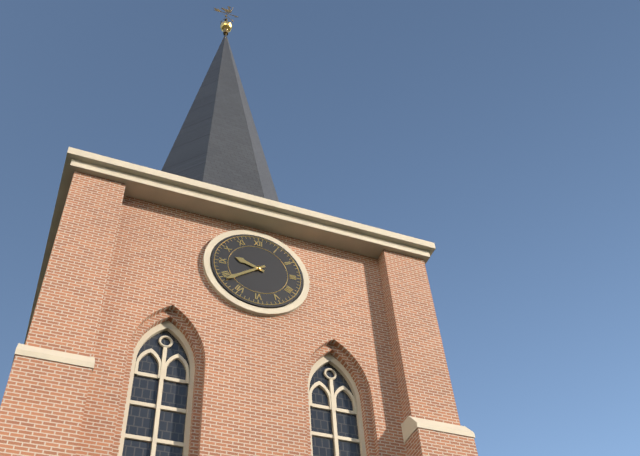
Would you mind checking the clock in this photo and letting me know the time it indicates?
9:39
